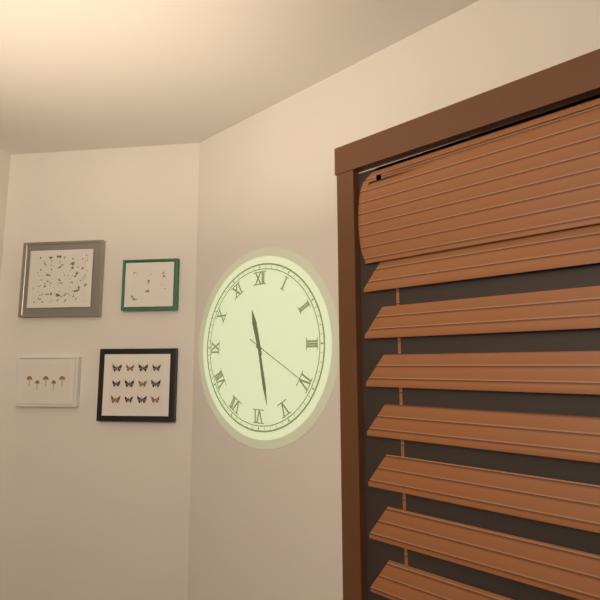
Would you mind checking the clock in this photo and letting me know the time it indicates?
11:28:20
